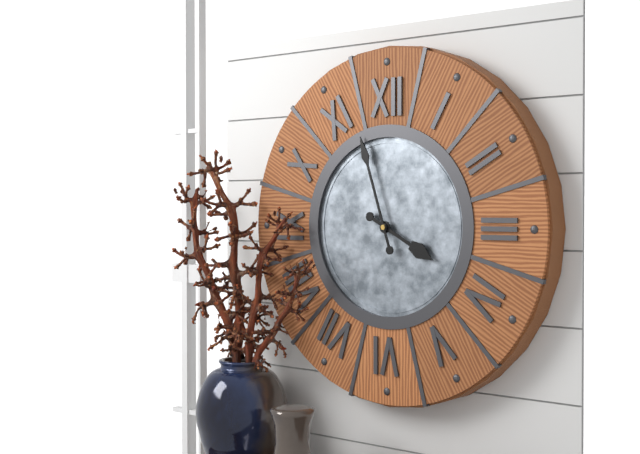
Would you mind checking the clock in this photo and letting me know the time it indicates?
3:57
